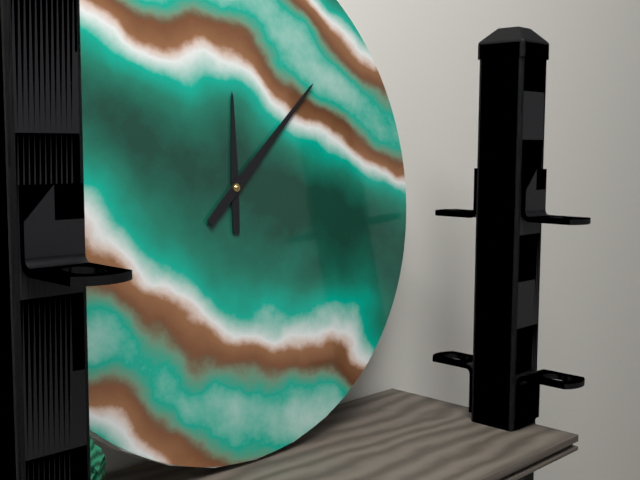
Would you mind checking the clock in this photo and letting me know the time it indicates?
12:08
